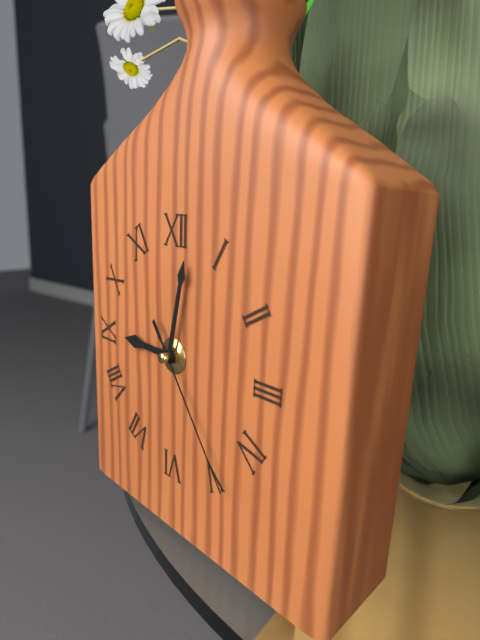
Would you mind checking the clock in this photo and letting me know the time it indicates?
9:02:24
